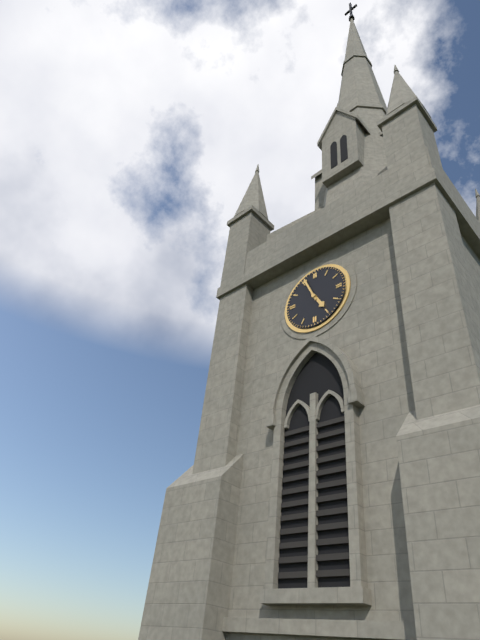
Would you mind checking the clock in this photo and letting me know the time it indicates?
4:56
